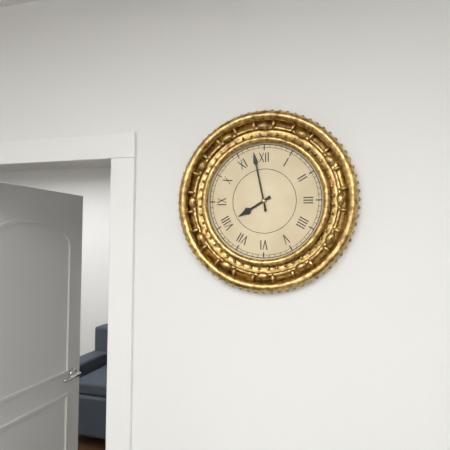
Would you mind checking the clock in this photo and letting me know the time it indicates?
7:58
